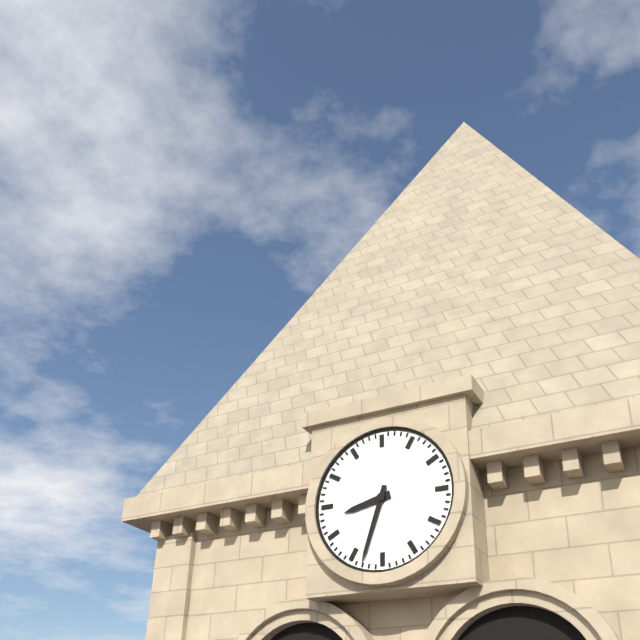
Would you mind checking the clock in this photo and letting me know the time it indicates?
8:33
